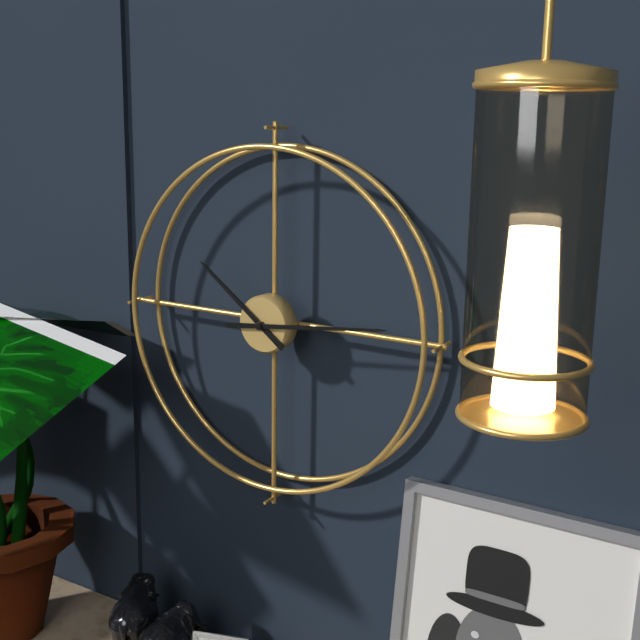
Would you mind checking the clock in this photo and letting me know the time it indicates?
10:14
